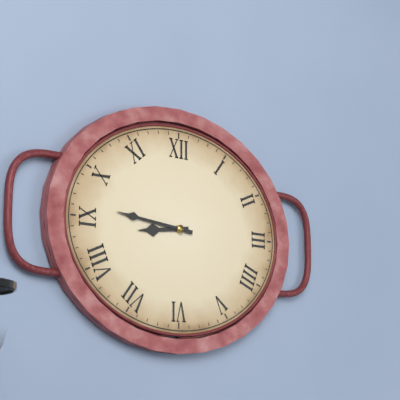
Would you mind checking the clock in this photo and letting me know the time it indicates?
8:46
